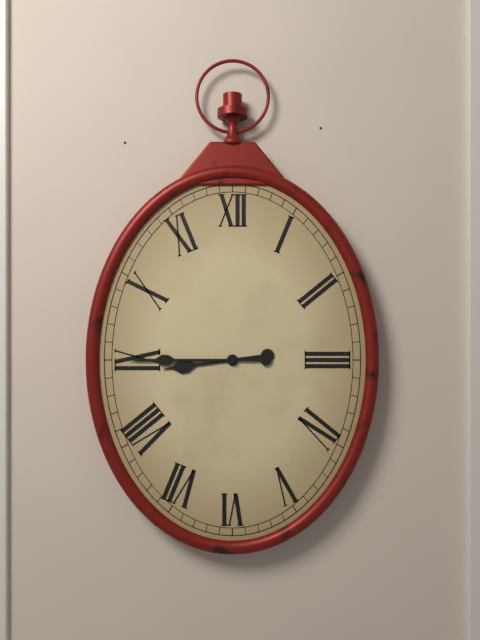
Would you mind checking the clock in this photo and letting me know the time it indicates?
8:45
